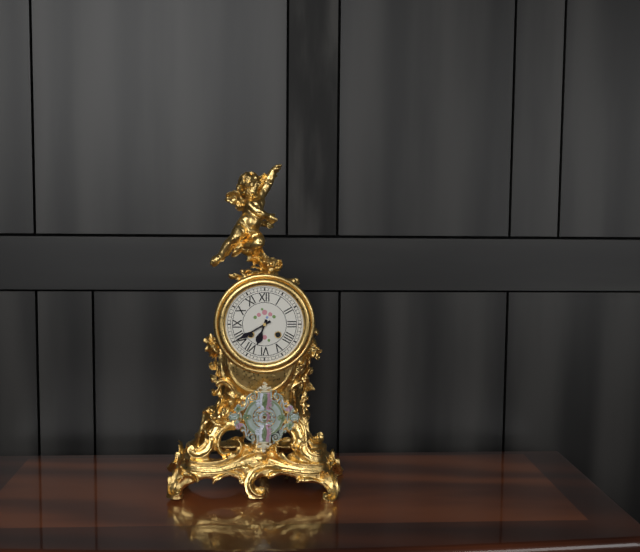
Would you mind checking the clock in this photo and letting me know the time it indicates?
6:40
